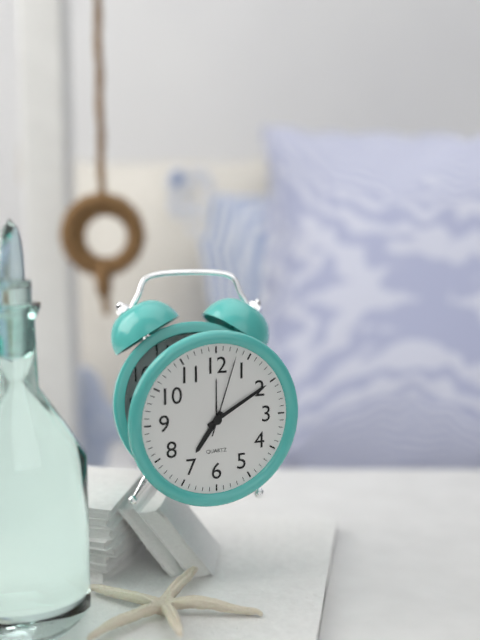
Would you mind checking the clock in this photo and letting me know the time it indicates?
7:10:03
